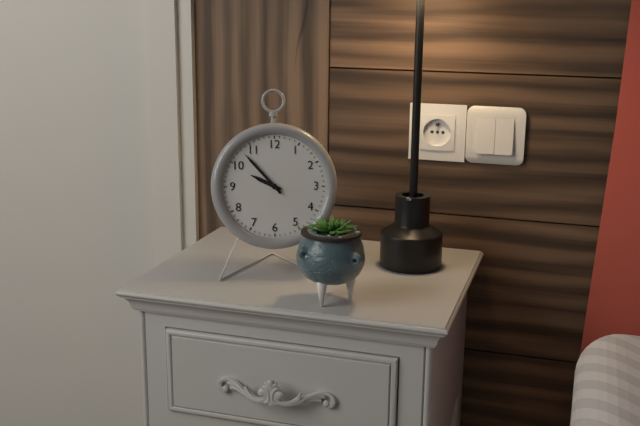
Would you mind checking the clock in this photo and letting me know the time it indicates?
9:53
